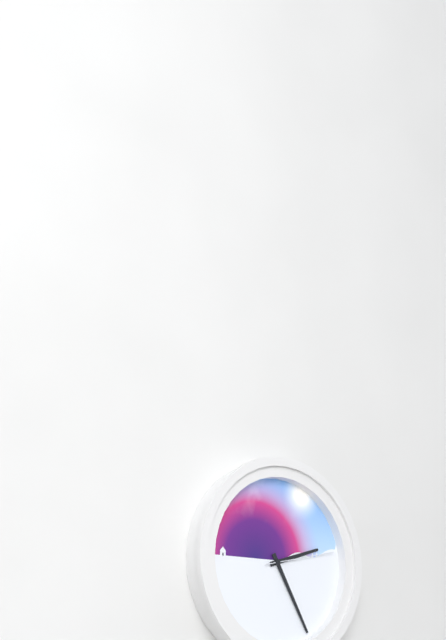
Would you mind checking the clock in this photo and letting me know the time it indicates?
2:25:13
